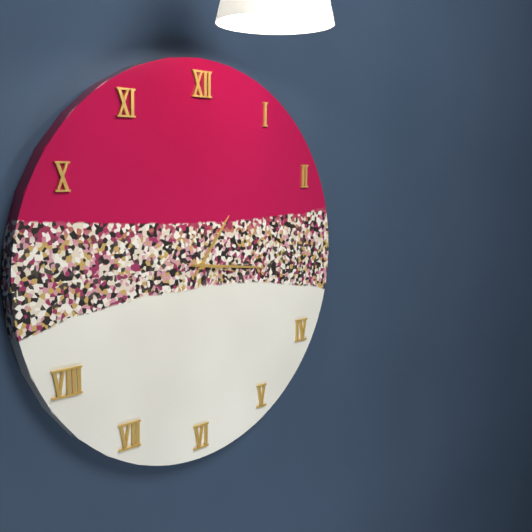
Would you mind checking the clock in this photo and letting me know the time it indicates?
1:16:17
